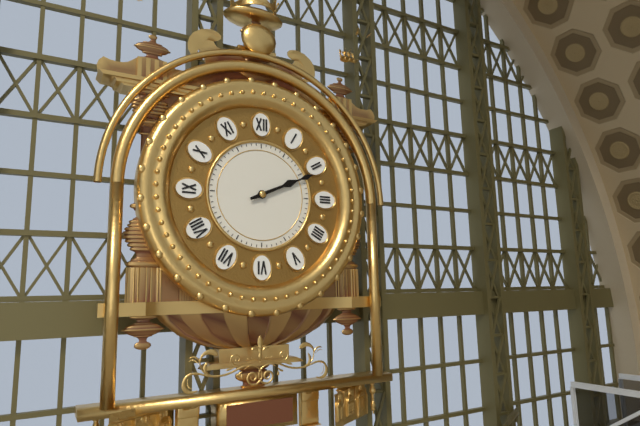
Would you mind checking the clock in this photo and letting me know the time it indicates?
2:11
